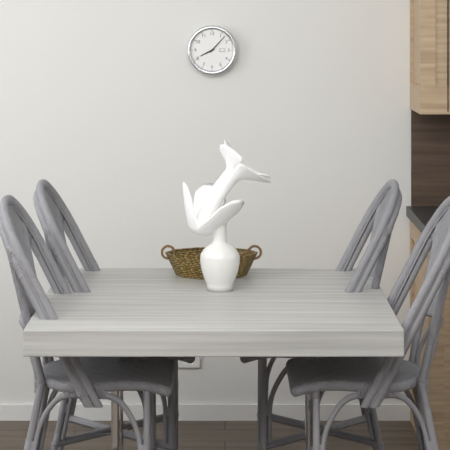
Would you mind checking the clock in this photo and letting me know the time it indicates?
8:07
